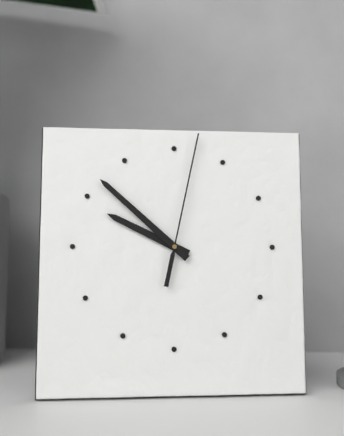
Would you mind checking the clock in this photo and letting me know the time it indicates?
9:52:02
